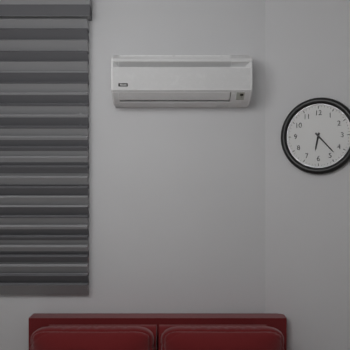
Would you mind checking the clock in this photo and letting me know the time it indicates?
6:23
